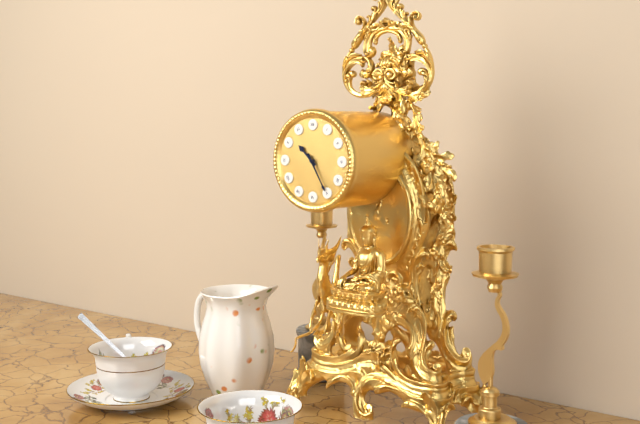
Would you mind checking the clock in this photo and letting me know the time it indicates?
10:25
